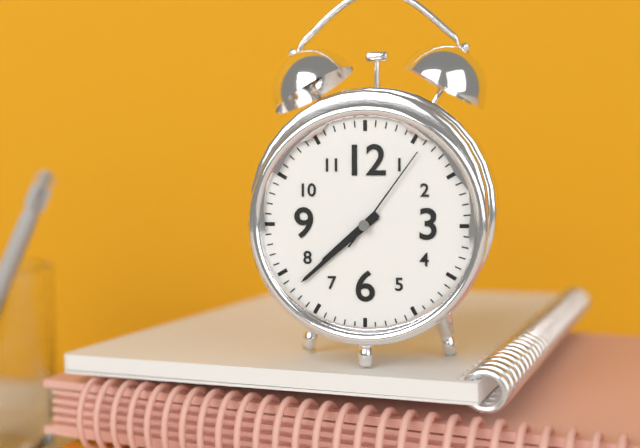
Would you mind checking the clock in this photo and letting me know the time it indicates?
7:38:06
